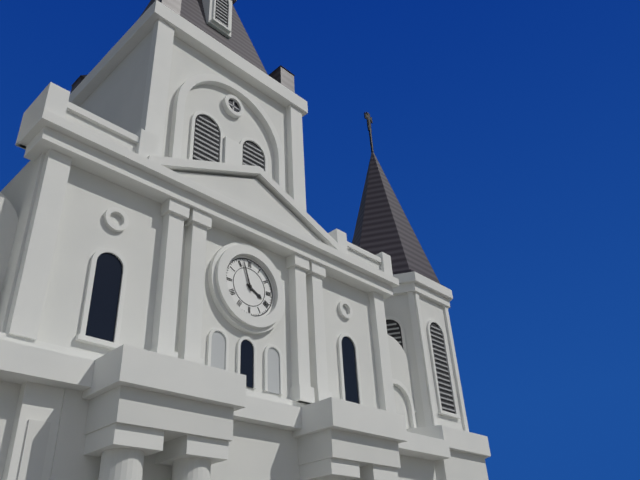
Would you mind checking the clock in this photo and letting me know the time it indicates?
3:57
